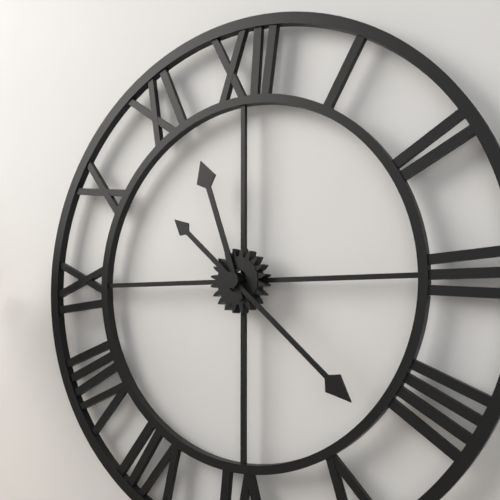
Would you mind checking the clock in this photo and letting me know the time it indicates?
11:22
